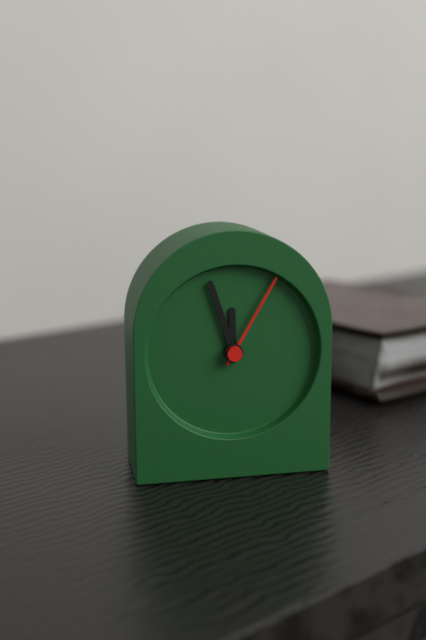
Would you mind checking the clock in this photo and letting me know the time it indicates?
11:57:05
